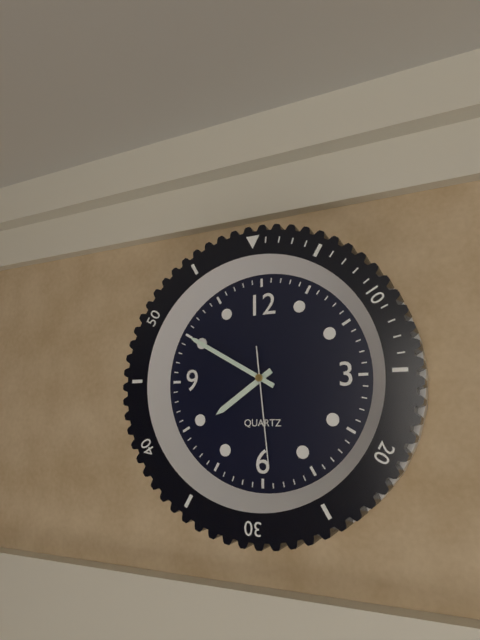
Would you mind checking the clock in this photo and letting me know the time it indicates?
7:50:29
